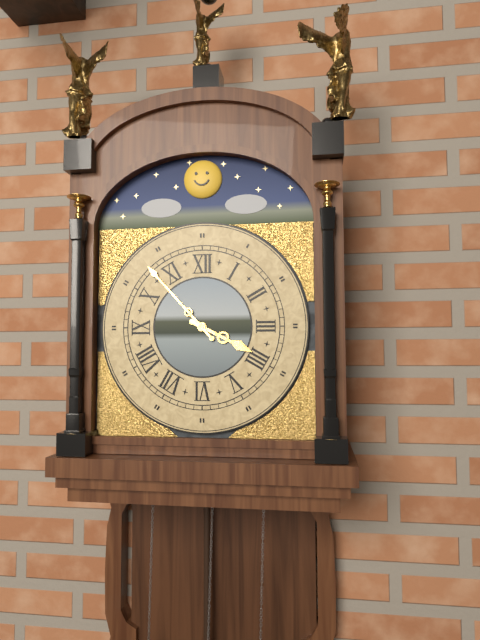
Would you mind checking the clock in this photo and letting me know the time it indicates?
3:53
